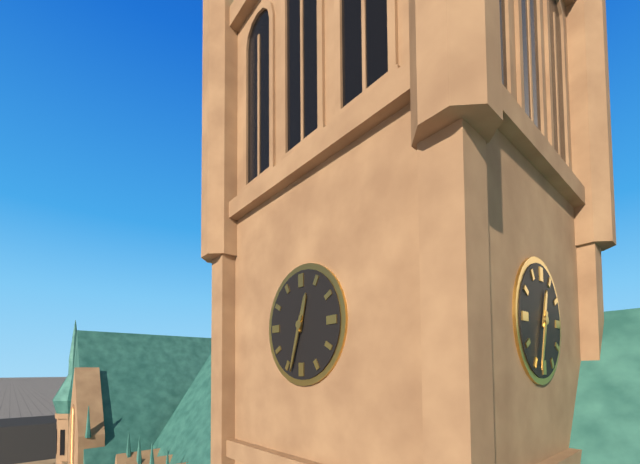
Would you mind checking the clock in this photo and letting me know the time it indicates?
12:33
